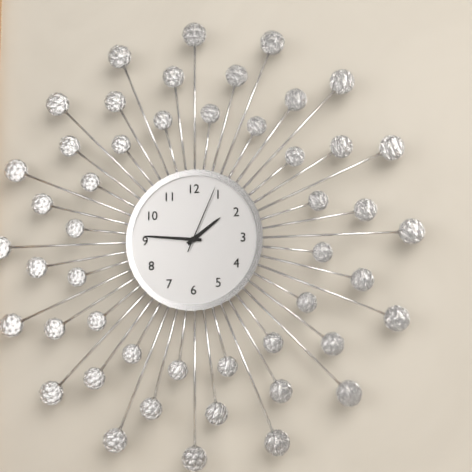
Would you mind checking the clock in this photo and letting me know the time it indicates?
1:46:04
